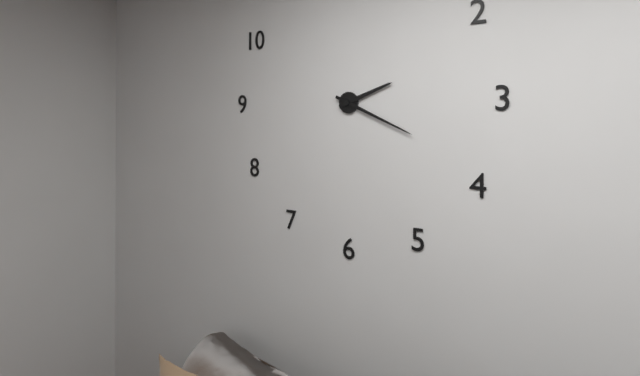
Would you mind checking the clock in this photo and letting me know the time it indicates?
2:19
